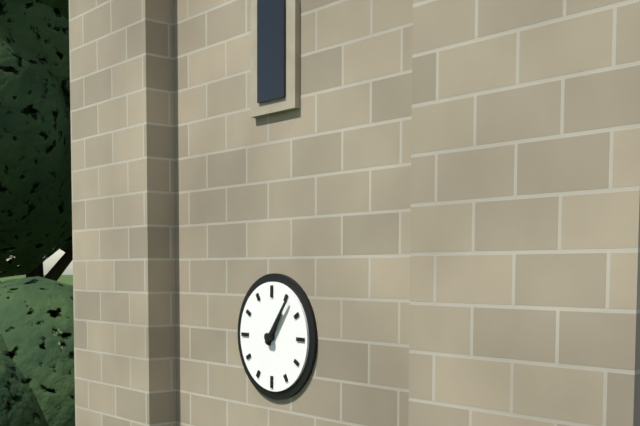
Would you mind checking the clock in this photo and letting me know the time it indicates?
1:06
